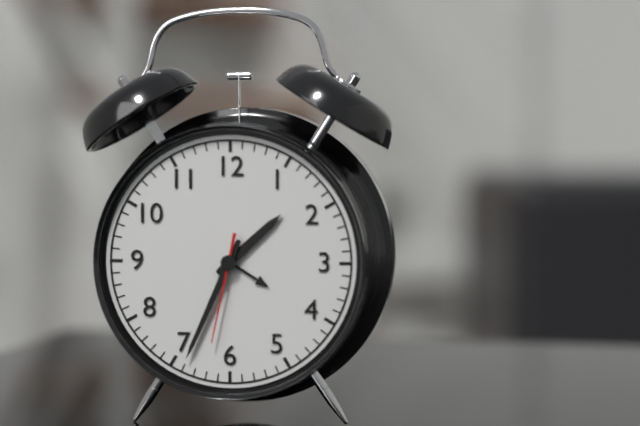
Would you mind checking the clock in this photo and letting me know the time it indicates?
1:34:32
